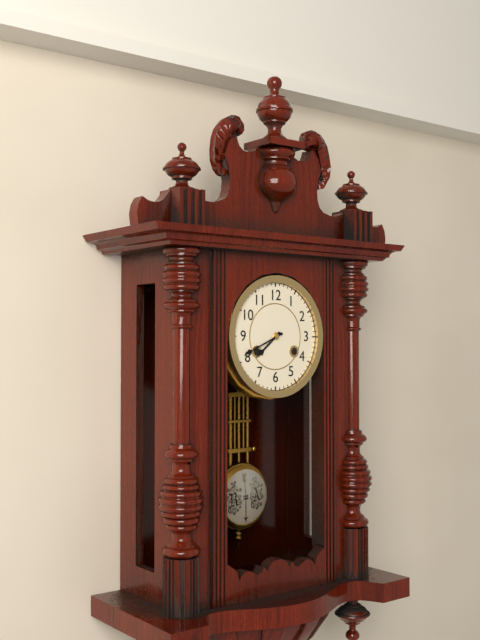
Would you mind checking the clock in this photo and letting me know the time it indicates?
7:41
